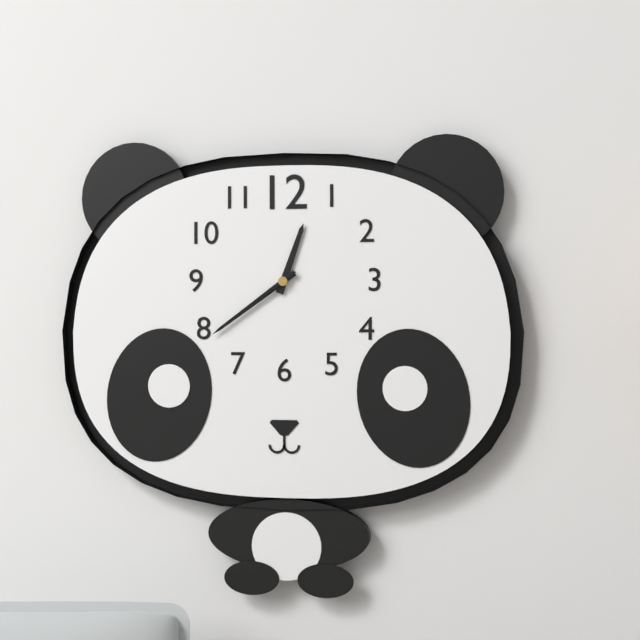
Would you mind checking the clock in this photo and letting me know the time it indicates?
12:39:39
